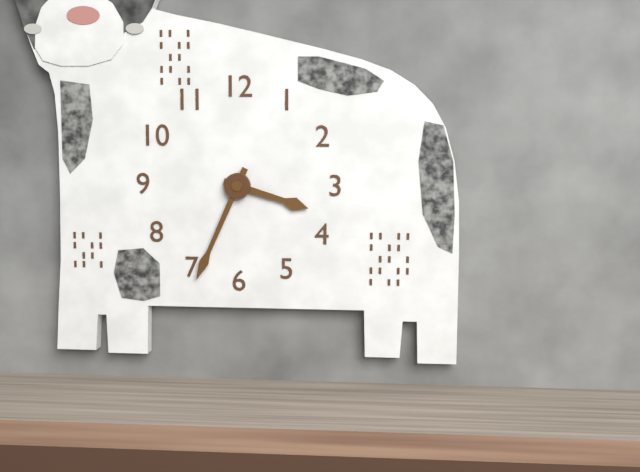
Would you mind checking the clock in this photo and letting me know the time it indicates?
3:34
